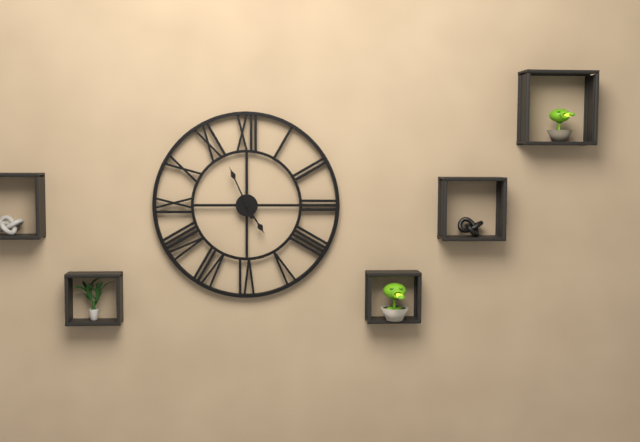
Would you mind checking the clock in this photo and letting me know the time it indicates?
4:56
